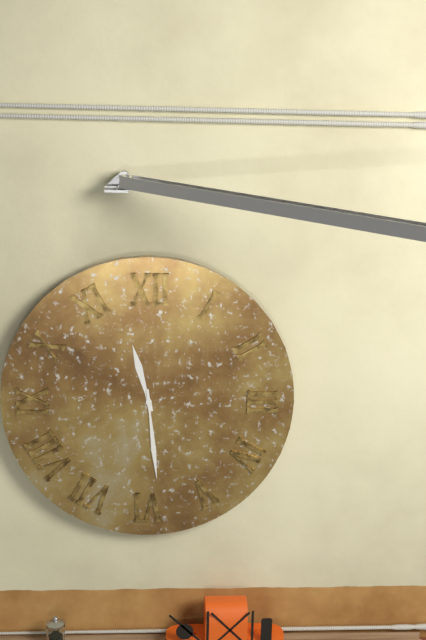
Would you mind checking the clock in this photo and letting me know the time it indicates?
11:29
